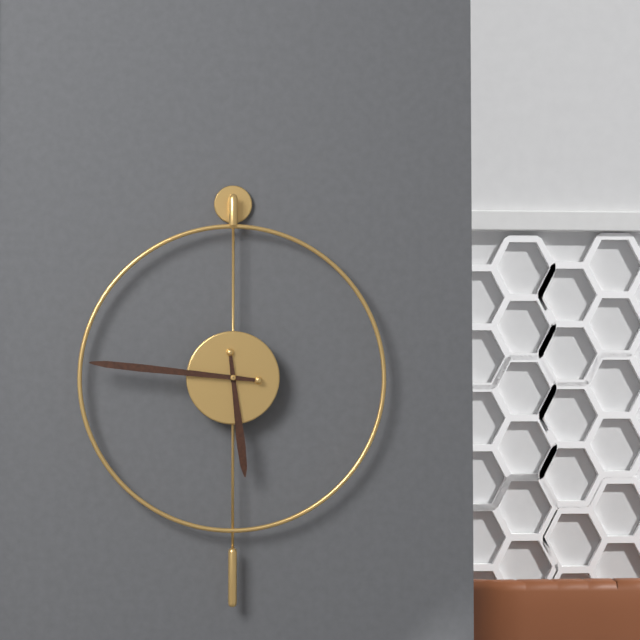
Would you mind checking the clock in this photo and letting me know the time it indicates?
5:46
